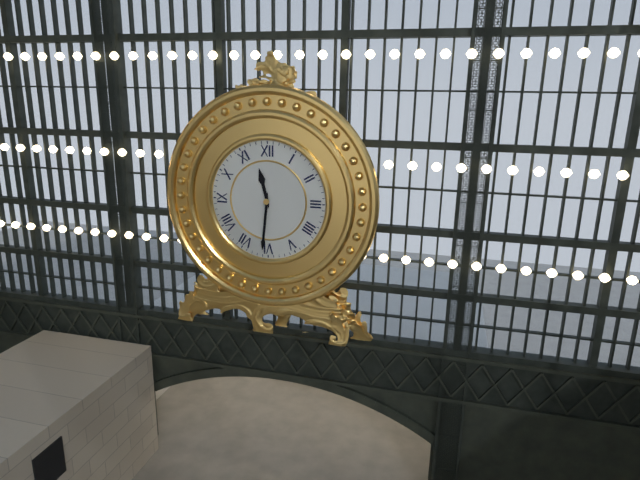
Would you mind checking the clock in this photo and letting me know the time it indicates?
11:31
